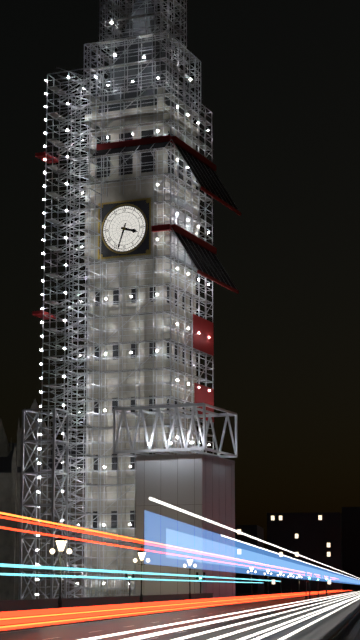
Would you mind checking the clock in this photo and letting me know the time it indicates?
3:33
